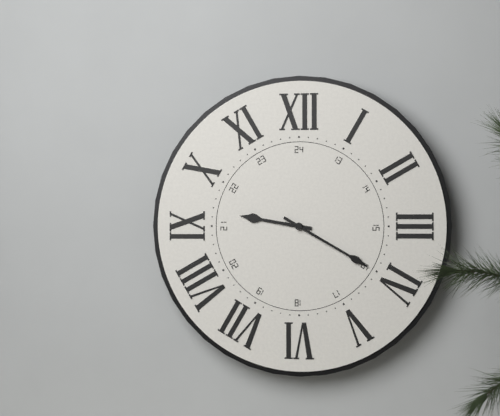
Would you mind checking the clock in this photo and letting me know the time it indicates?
9:20
